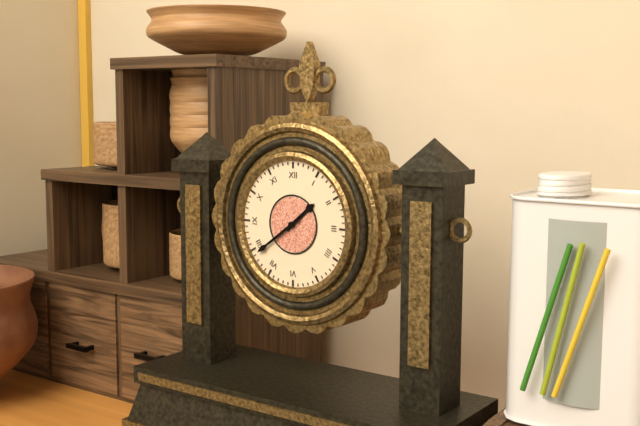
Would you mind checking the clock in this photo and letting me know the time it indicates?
1:39
